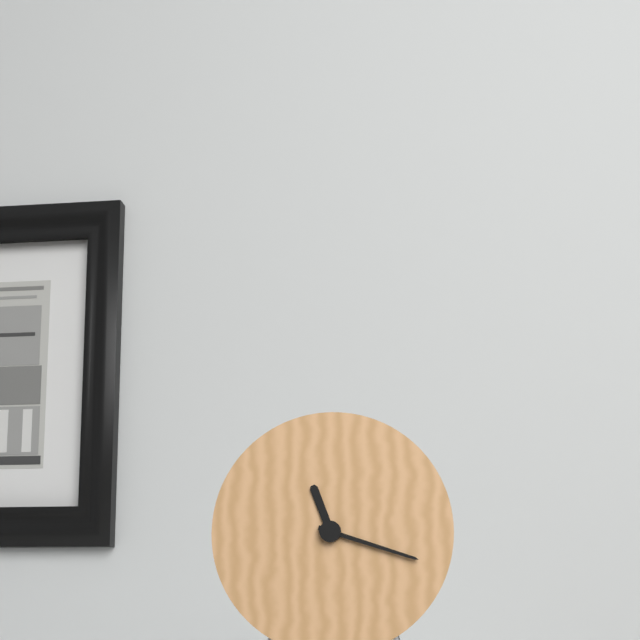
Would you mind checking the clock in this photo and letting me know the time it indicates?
11:18
